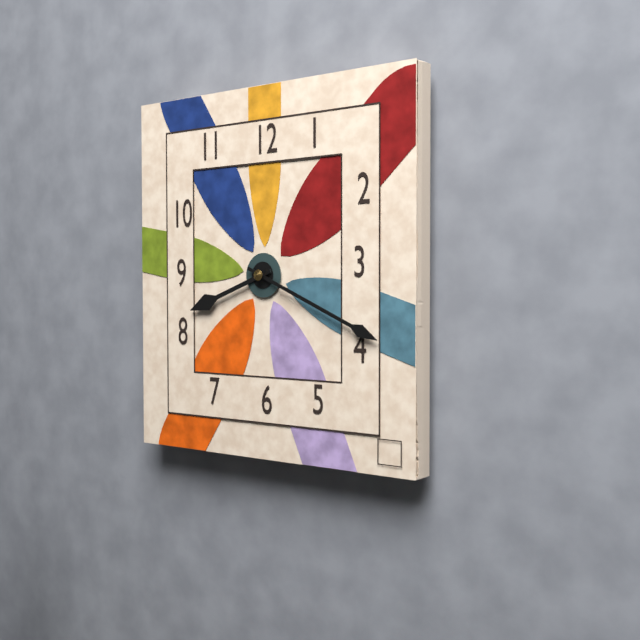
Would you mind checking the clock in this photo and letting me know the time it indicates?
8:19
